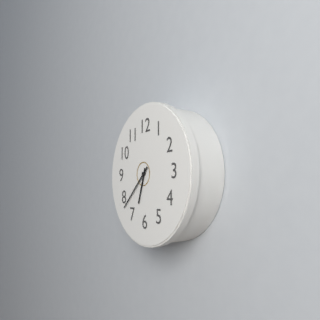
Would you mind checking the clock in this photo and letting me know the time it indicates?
6:38
